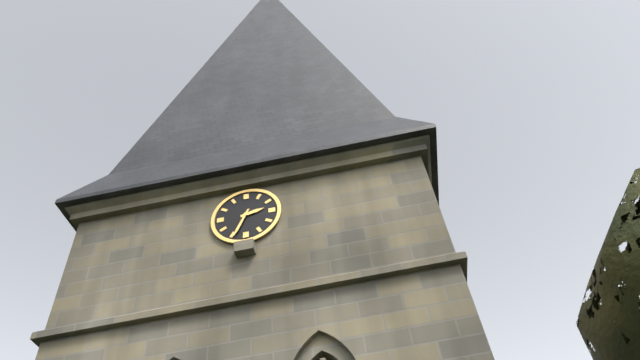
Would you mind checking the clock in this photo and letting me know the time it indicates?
2:34
